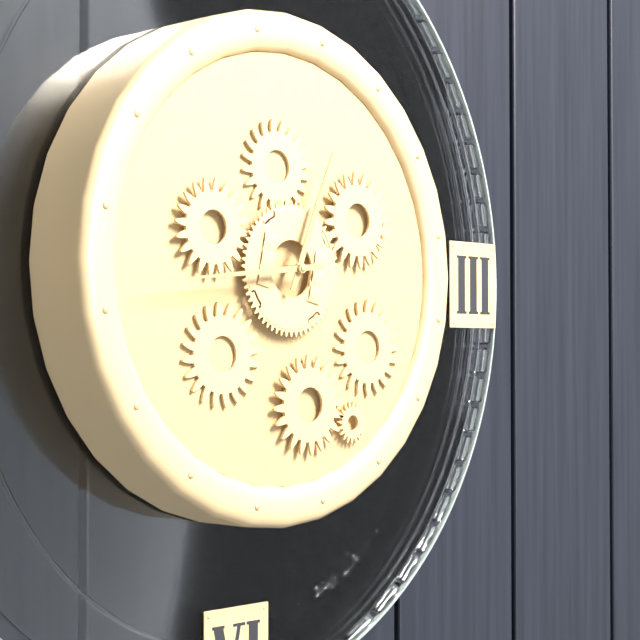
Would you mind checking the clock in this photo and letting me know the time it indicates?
12:44
